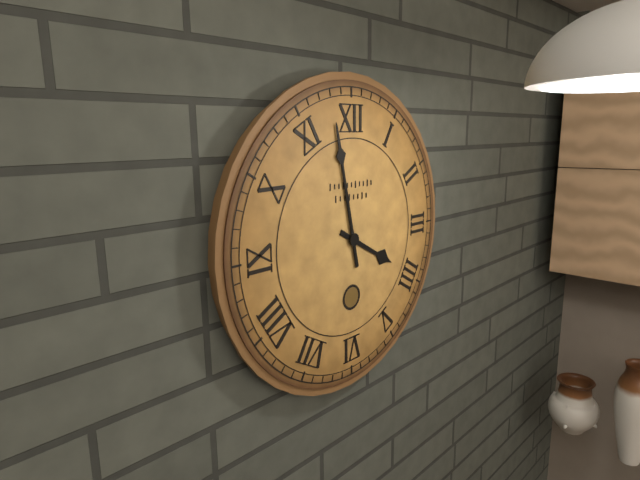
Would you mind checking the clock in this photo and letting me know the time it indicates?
3:58
